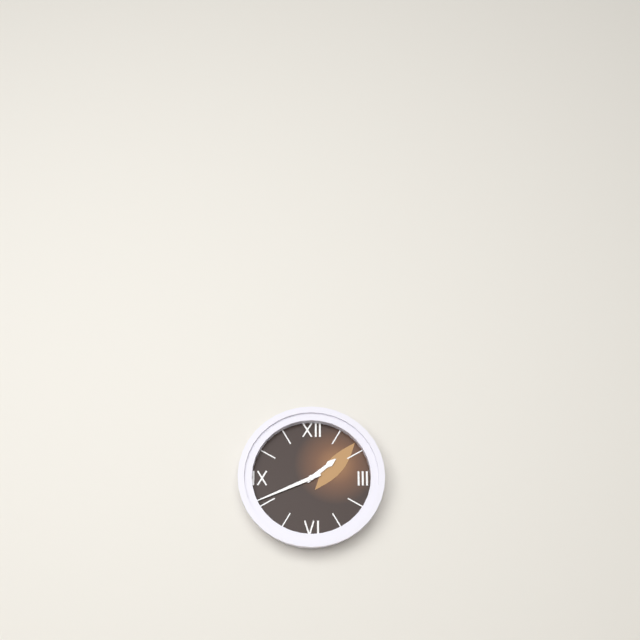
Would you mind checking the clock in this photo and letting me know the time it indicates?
1:41
